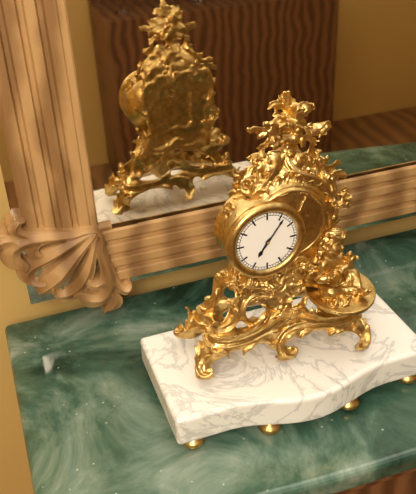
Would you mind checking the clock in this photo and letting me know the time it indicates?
7:06
